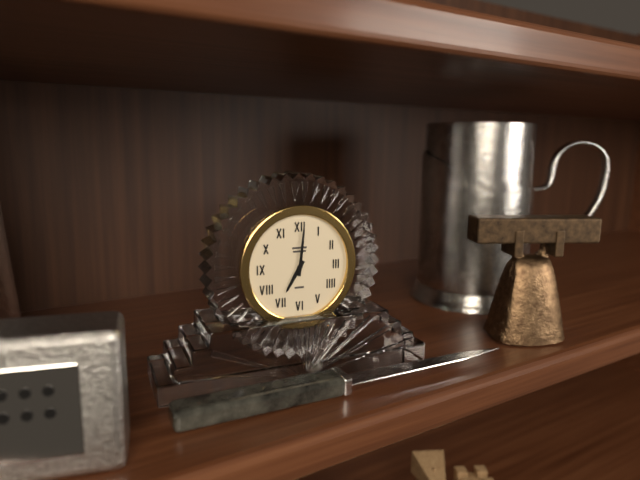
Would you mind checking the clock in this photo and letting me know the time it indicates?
7:01
